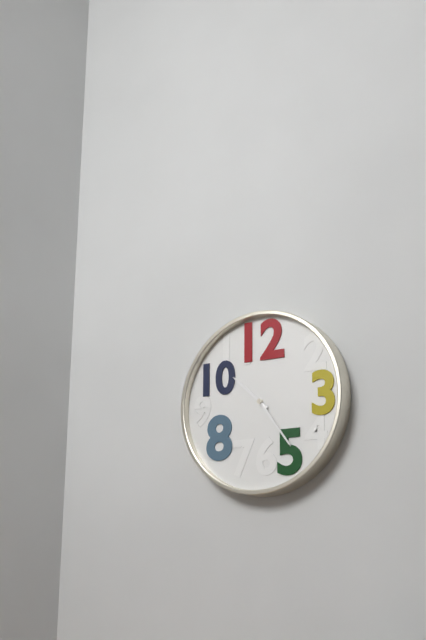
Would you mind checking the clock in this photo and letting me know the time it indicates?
10:24
